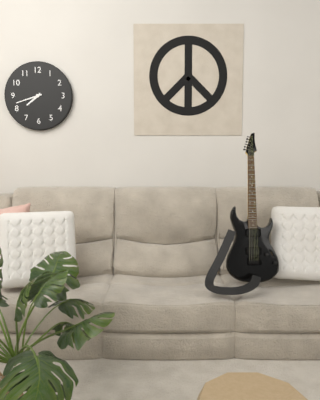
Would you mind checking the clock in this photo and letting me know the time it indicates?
7:42
